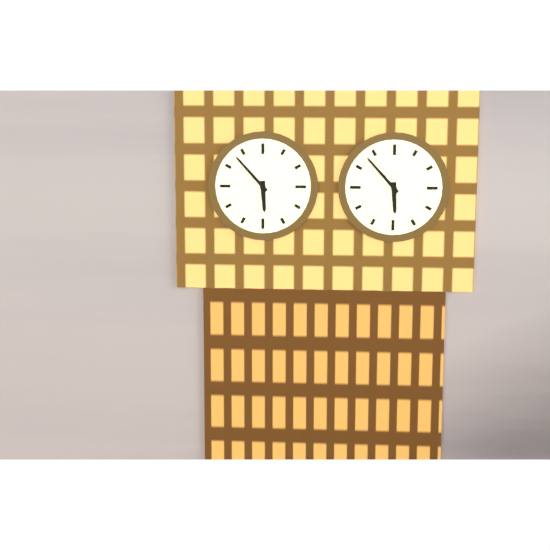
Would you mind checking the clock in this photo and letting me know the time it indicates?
5:53
